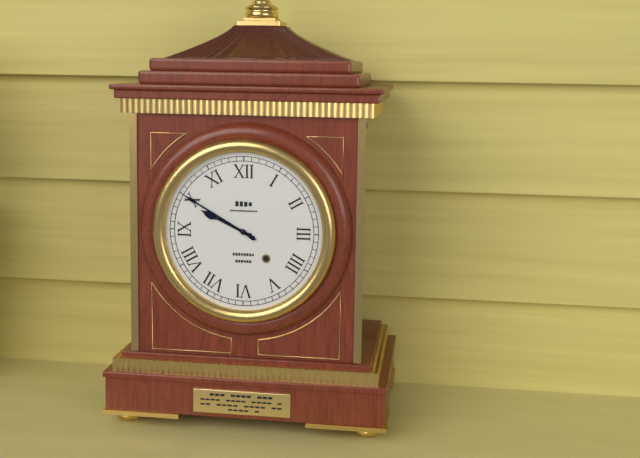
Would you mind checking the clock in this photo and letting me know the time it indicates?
9:50
